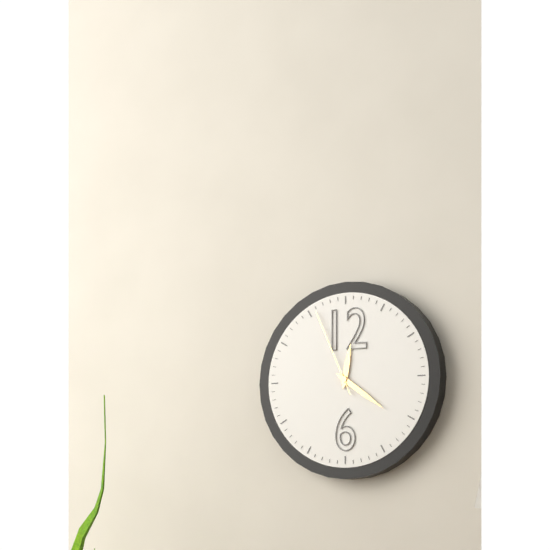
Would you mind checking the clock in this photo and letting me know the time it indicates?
12:21:56
